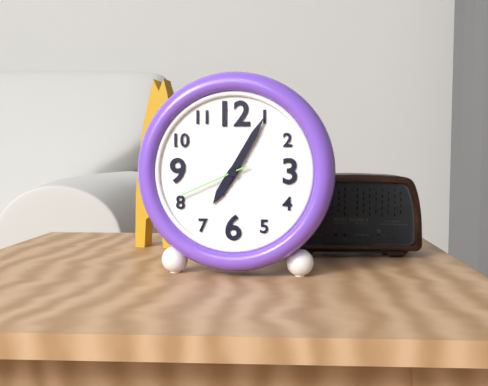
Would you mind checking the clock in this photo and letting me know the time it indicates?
7:05:41
